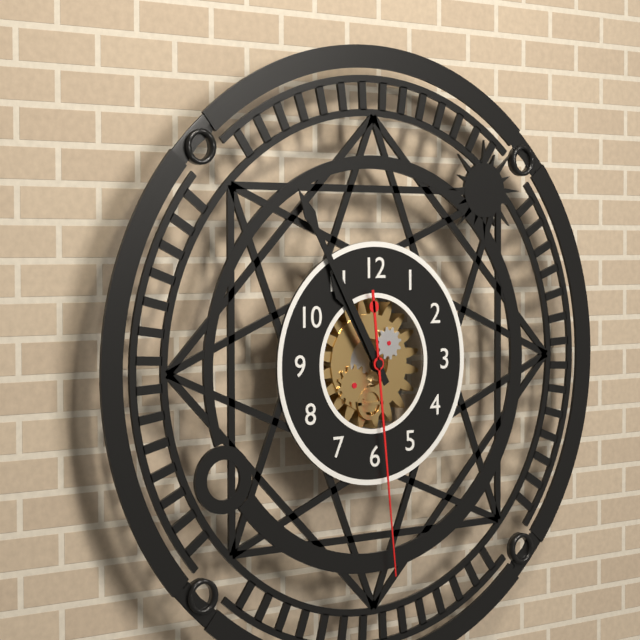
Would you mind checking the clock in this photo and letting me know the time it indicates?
10:55:29
